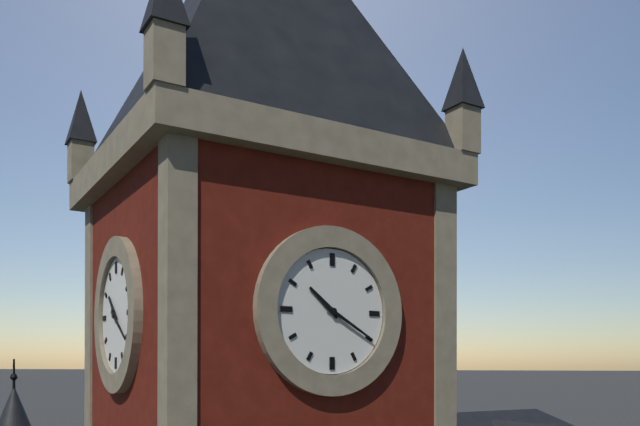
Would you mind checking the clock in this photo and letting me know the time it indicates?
10:20
